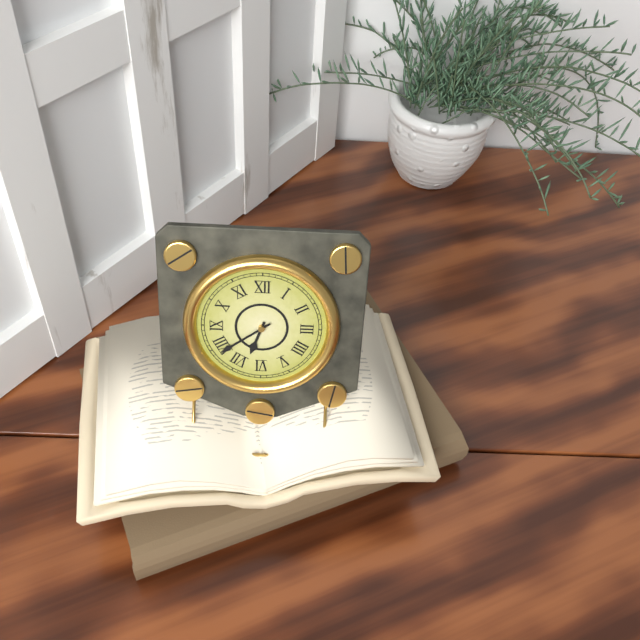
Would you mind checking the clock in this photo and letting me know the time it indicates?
6:39
